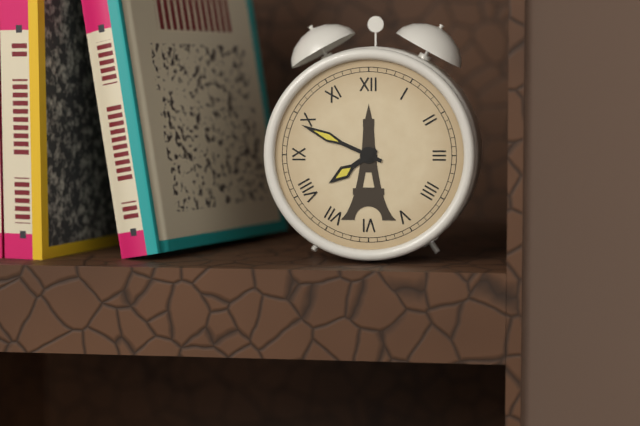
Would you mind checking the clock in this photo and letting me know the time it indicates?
7:49
